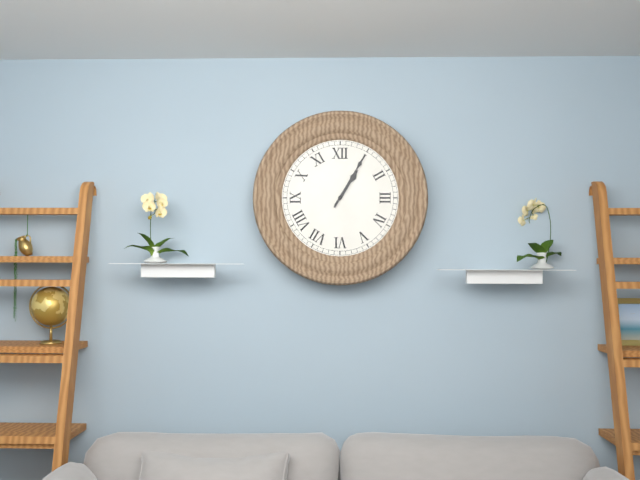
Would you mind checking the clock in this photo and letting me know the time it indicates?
1:05
